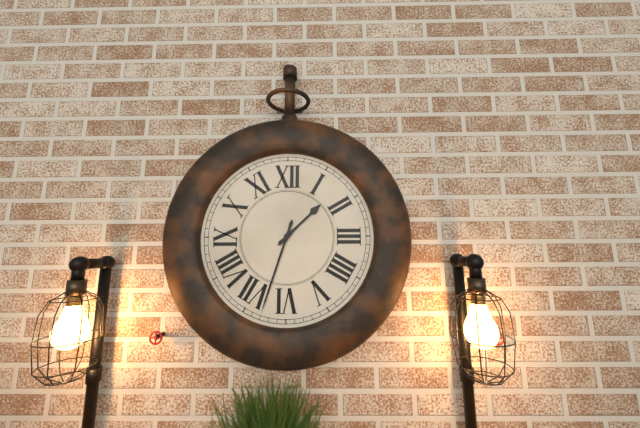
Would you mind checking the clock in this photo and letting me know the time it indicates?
1:33
